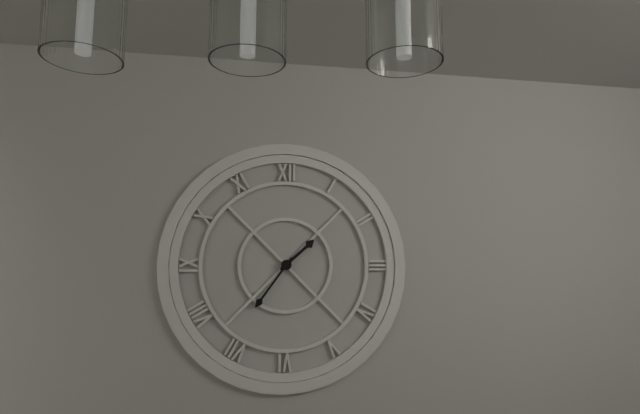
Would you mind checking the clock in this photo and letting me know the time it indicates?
1:36
